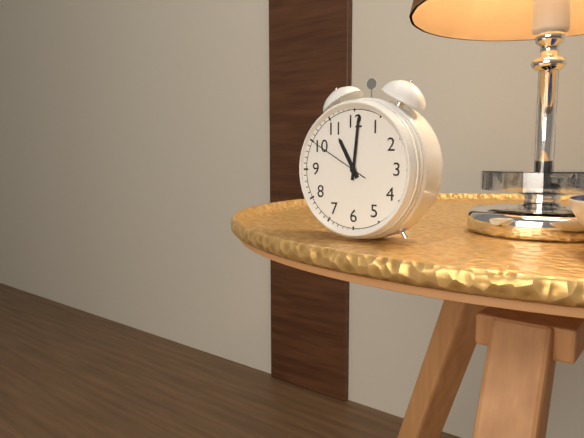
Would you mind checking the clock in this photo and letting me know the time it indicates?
11:01:50
